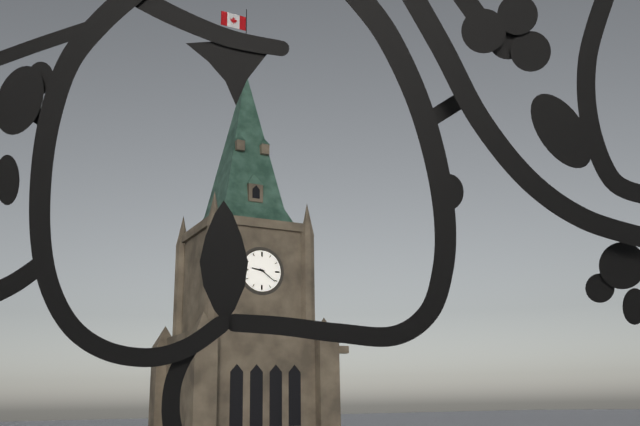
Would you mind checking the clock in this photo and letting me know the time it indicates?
9:21
